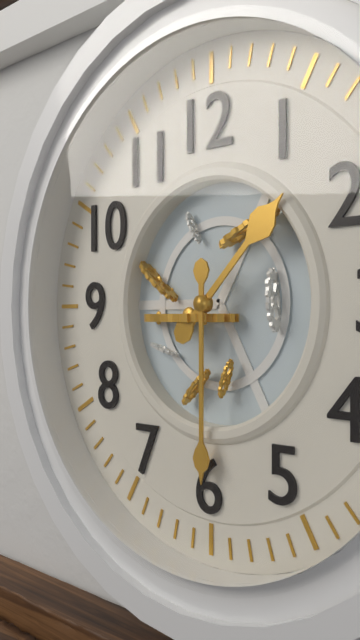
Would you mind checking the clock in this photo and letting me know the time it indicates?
1:30
